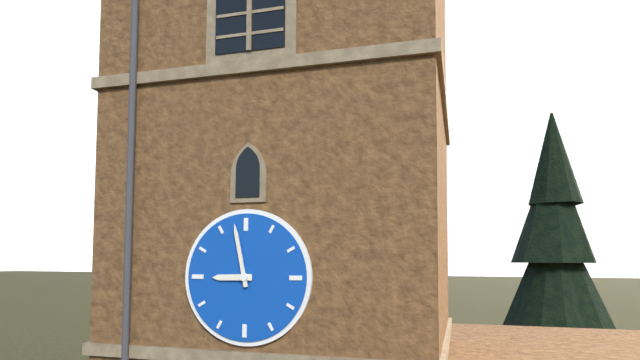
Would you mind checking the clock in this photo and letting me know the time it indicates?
8:58
